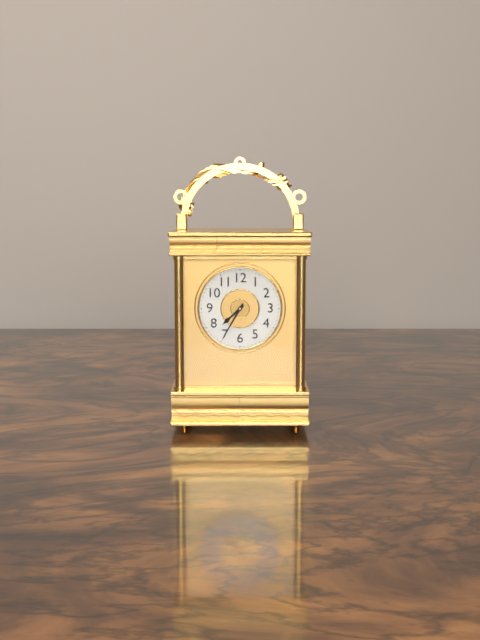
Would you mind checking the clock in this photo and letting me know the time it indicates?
7:35
